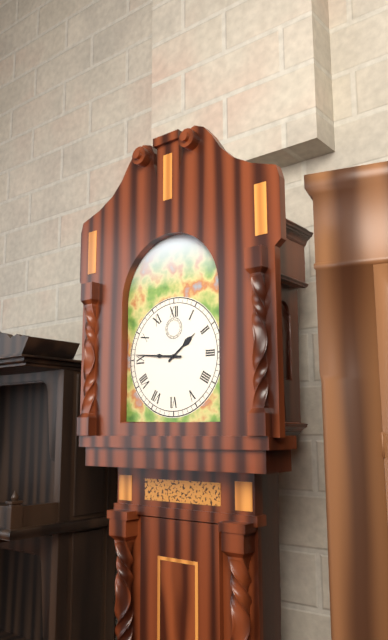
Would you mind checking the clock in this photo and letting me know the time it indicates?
1:46
